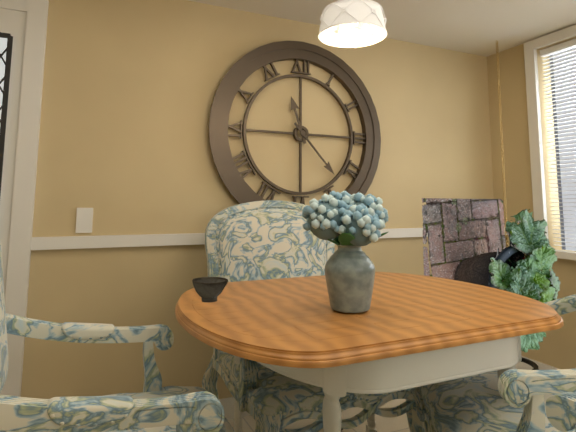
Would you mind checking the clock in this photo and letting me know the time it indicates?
11:23
